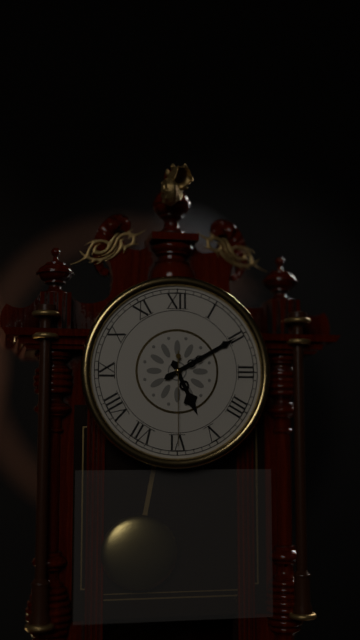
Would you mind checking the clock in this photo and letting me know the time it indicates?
5:10:30
